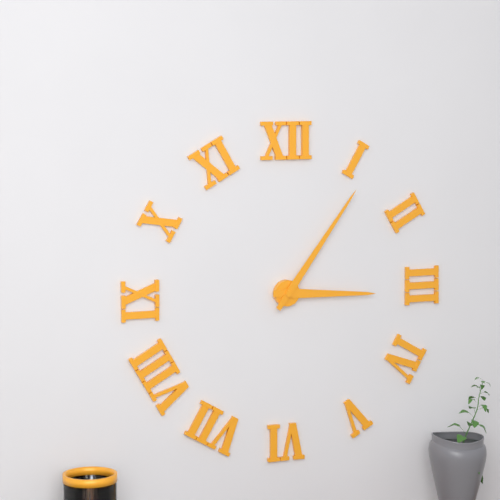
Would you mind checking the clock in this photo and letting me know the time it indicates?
3:06
